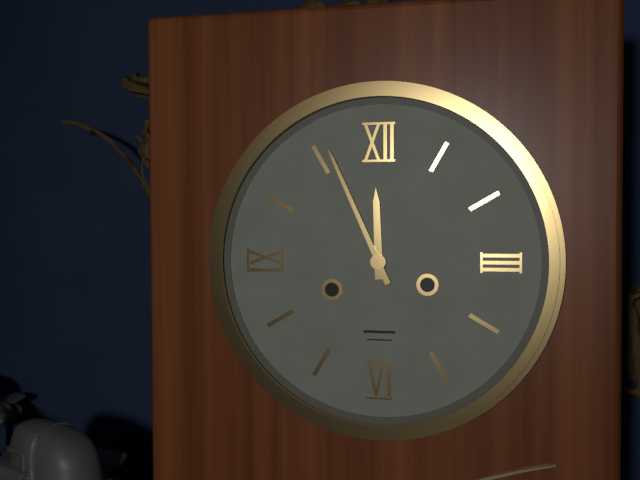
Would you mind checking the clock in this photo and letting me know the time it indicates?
11:56
